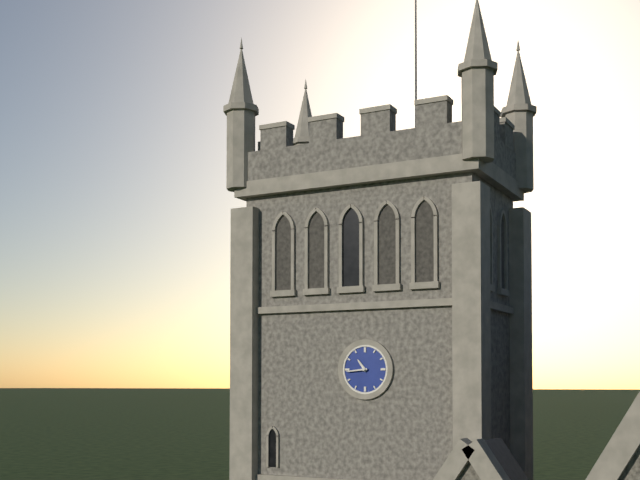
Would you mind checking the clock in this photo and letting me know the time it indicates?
10:44
